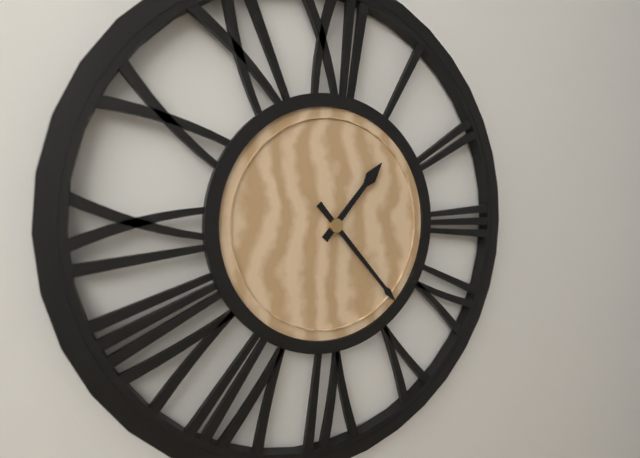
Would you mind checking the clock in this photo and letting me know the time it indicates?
1:23
